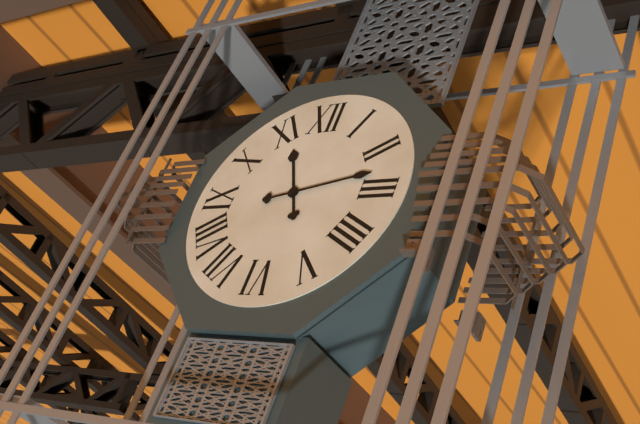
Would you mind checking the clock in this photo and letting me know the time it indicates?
11:13
